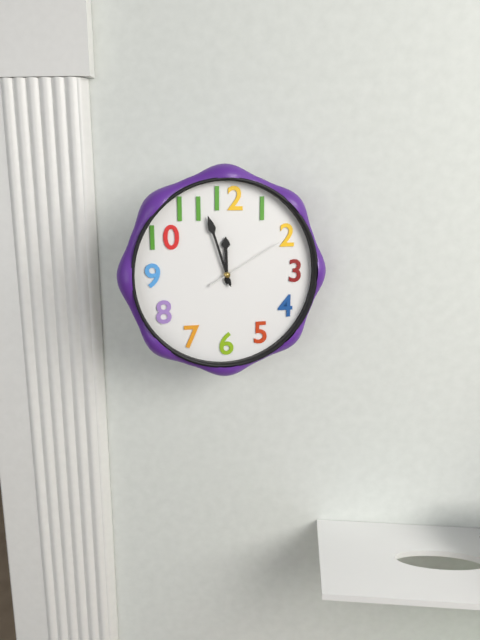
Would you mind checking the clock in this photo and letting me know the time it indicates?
11:57:10
